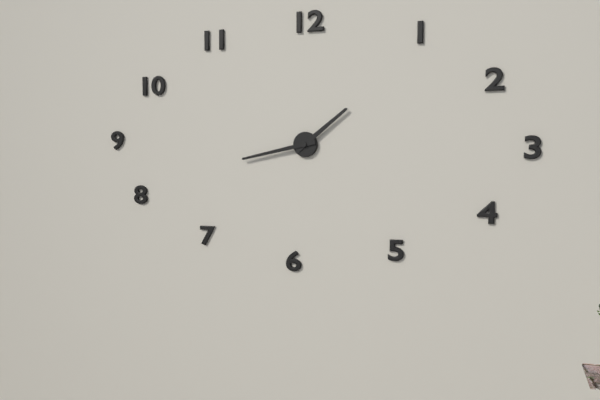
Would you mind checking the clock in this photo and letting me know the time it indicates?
1:43
